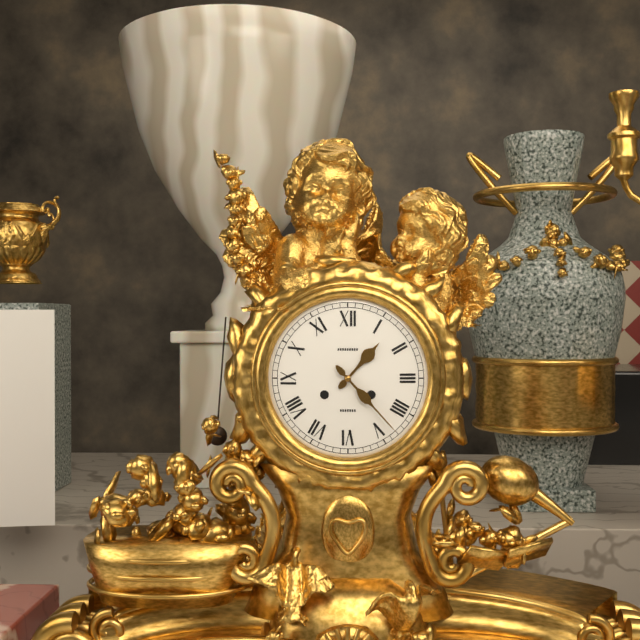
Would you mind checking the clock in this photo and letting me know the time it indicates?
1:23
